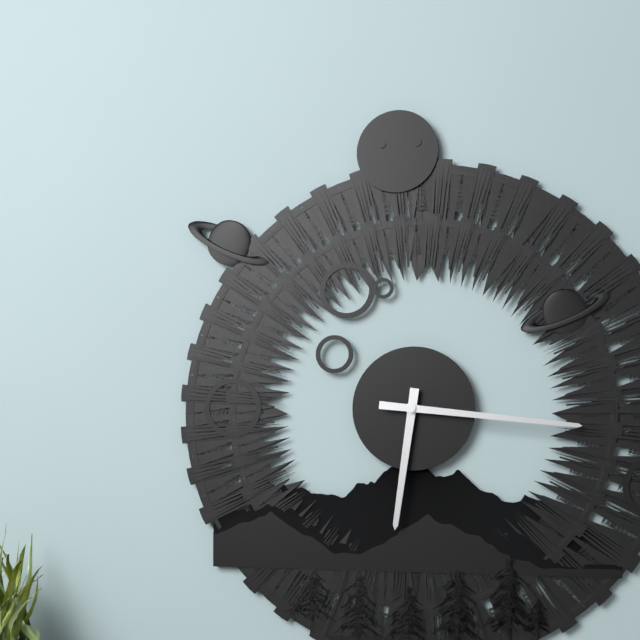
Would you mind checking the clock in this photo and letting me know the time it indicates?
6:16
